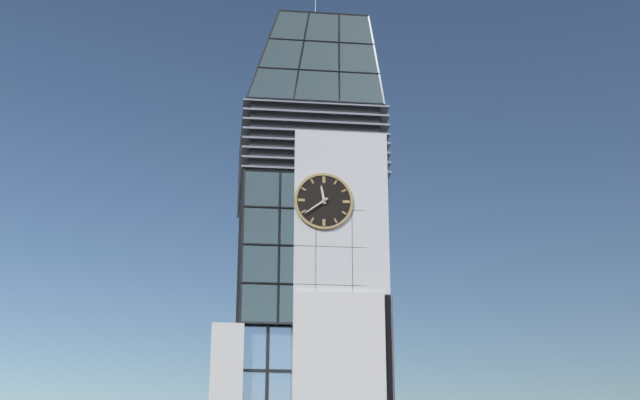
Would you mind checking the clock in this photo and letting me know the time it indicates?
11:39
